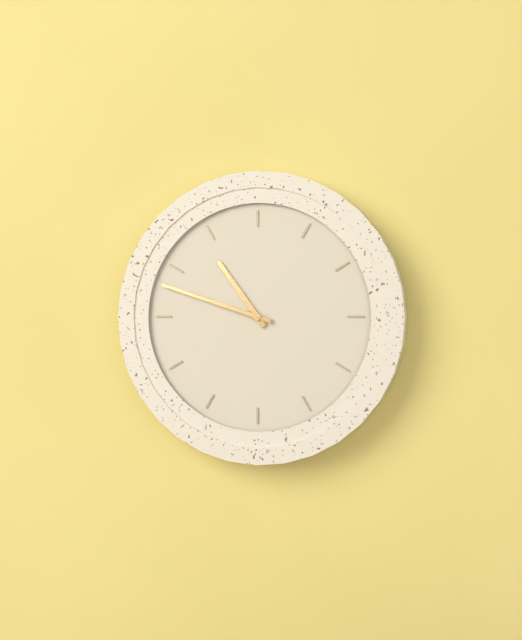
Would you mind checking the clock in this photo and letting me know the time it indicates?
10:48
